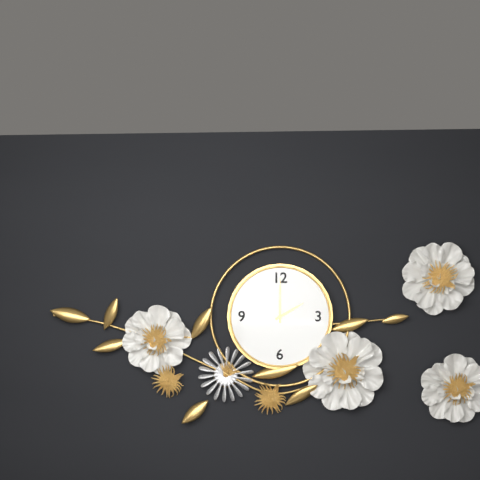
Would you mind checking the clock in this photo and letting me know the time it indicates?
2:00
